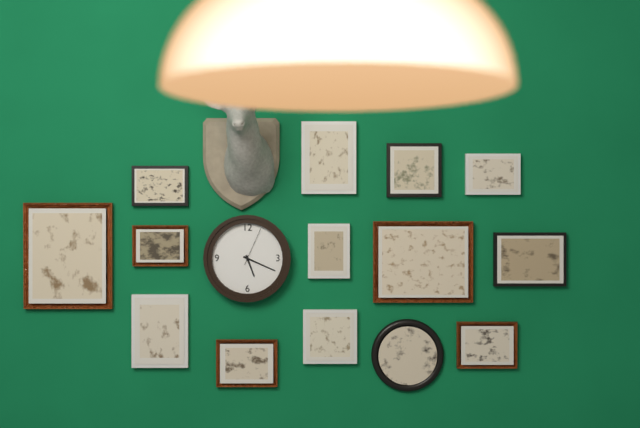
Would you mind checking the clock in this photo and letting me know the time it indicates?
5:19
